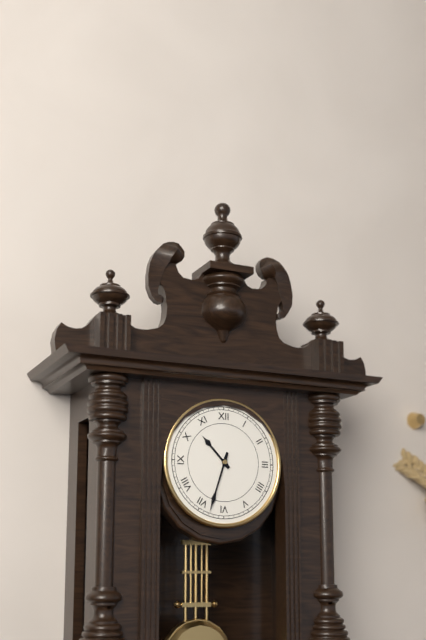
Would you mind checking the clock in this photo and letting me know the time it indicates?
10:33
